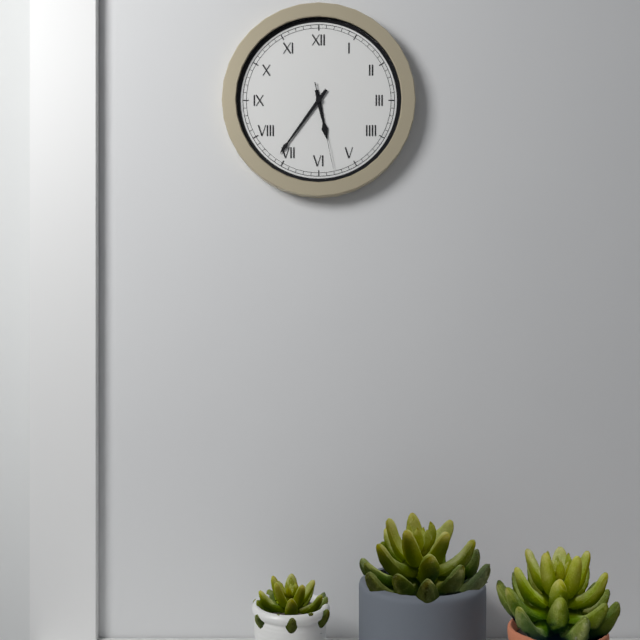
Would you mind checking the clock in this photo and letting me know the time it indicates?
5:36:28
